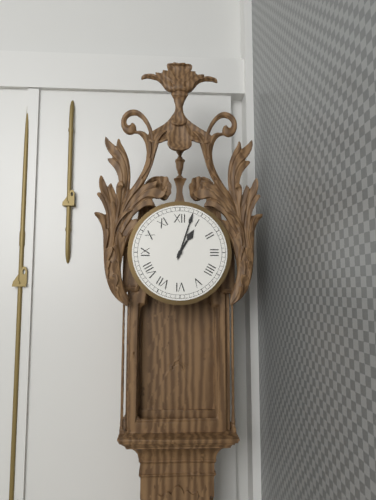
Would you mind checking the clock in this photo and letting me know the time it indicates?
1:03
